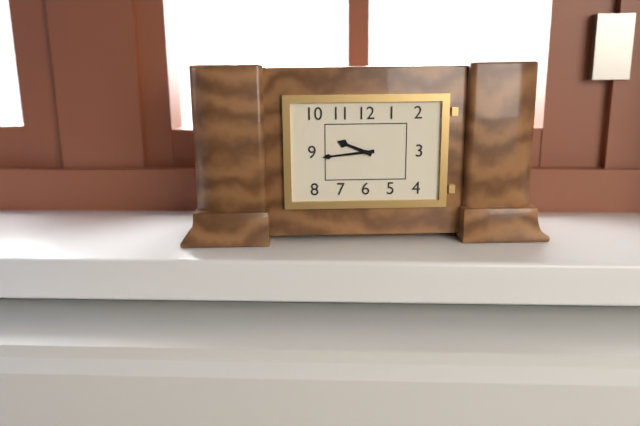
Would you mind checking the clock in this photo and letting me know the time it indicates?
9:44
